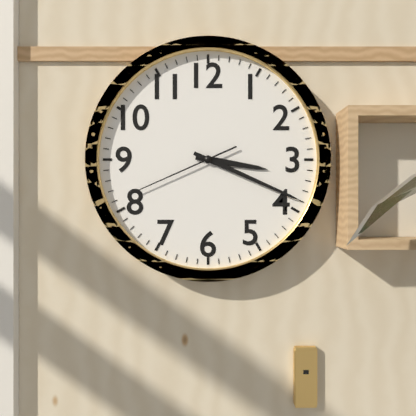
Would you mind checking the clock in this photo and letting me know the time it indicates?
3:19:41
